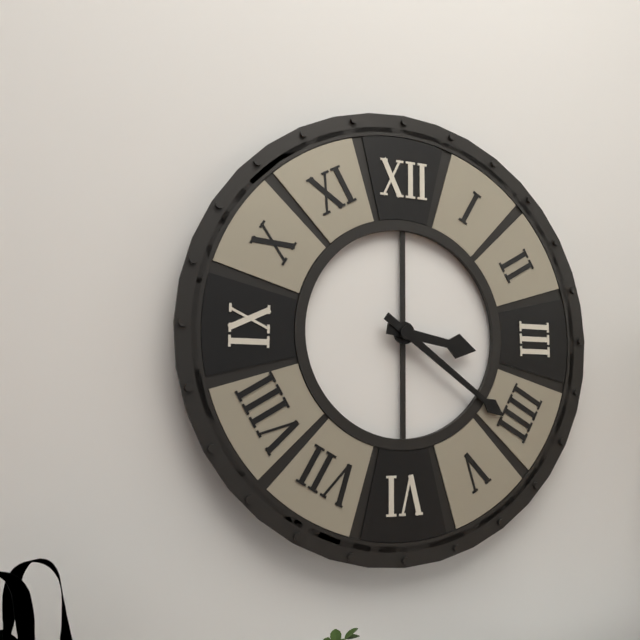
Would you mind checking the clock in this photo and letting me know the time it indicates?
3:21
